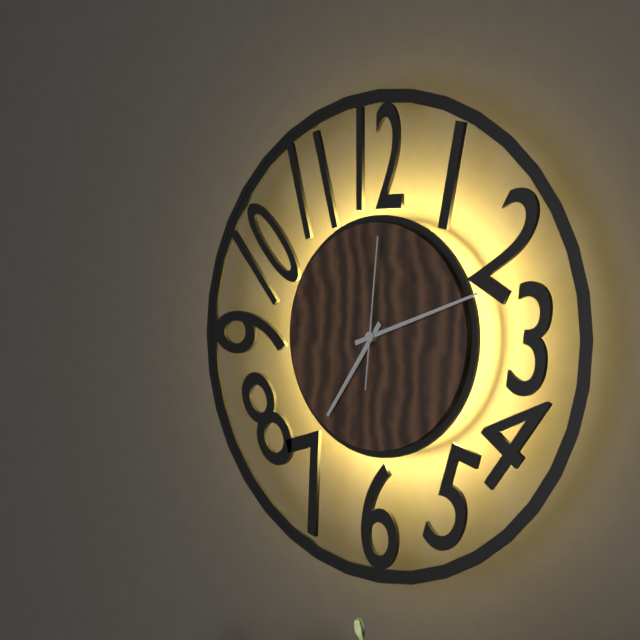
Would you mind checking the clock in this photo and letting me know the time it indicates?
7:12:01
